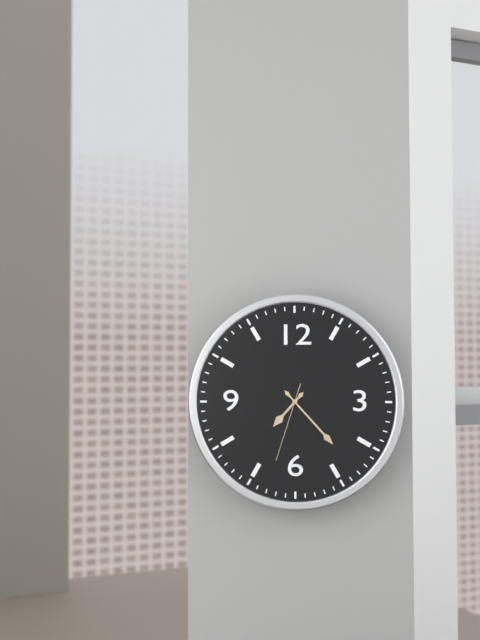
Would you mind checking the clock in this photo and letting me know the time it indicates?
7:23:33
